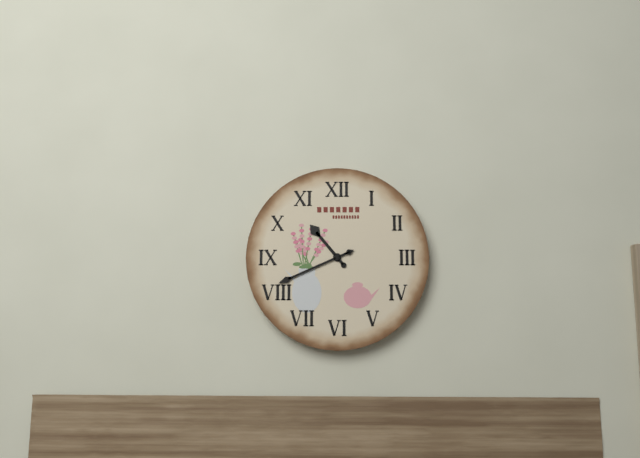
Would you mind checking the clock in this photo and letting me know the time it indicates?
10:41
